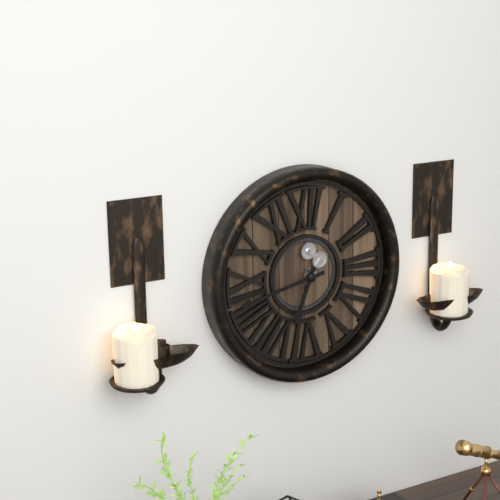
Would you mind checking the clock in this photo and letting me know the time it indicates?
6:43
